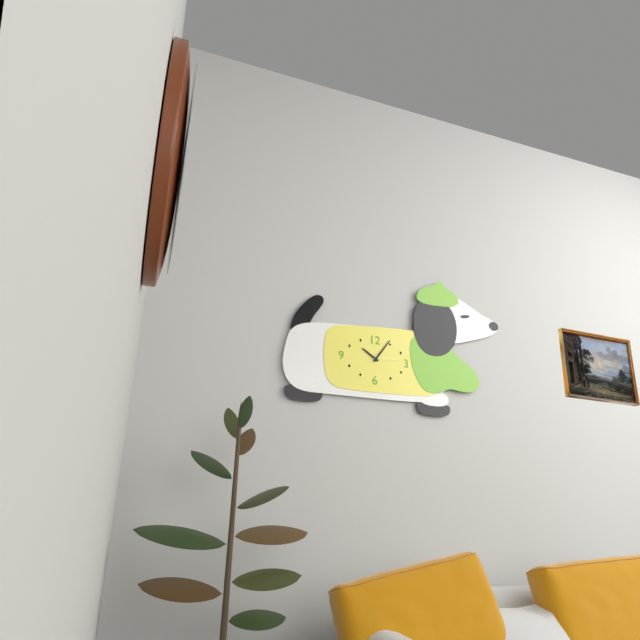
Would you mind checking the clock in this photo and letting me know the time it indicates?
10:06
